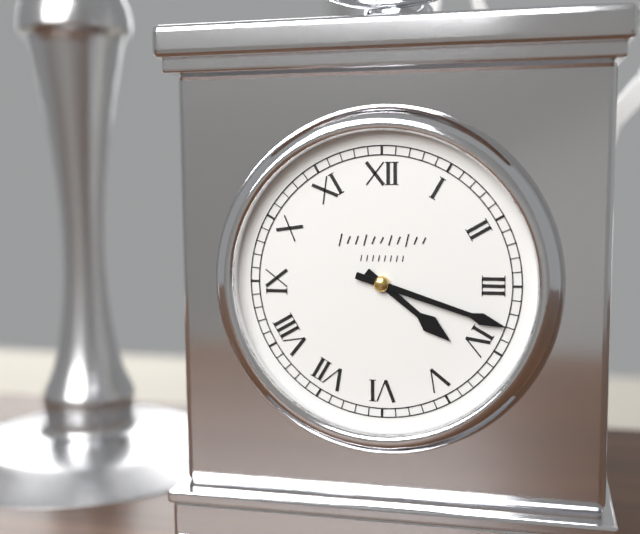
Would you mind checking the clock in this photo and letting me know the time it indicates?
4:18
